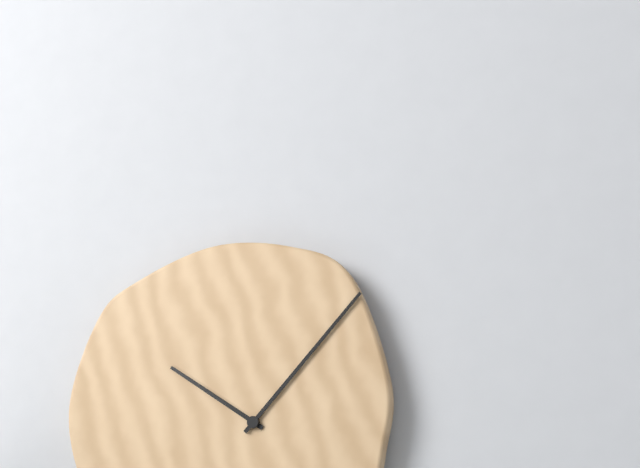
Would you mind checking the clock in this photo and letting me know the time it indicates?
10:07
